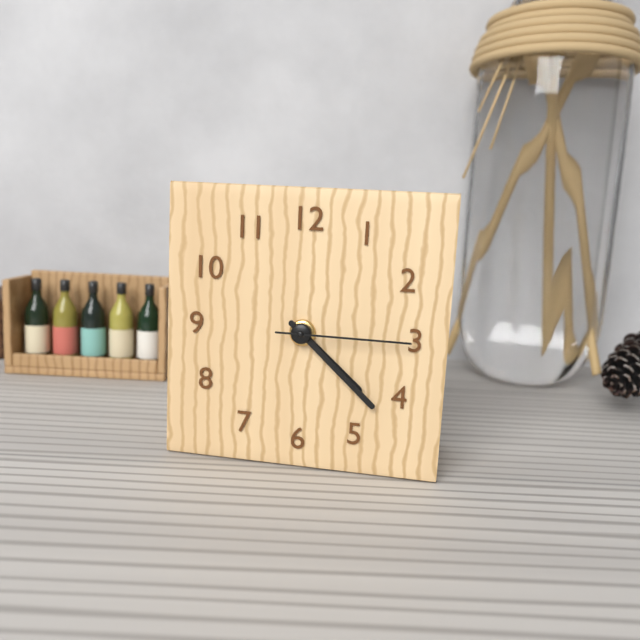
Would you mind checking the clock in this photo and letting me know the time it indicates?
4:22:15
